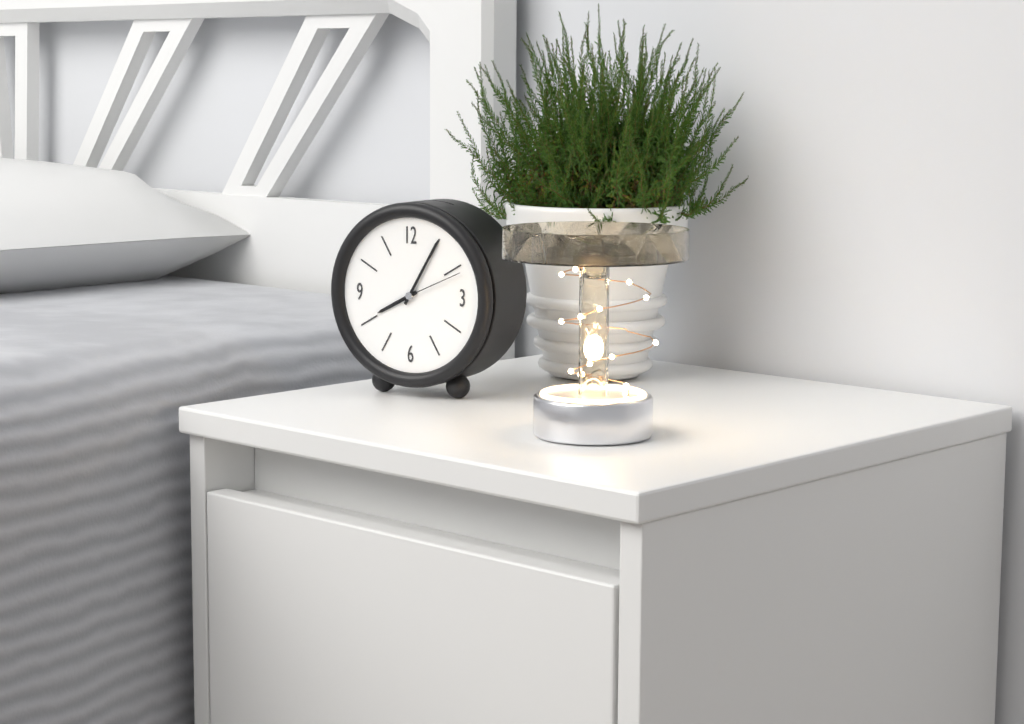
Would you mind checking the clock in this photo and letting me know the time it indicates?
8:05:11
